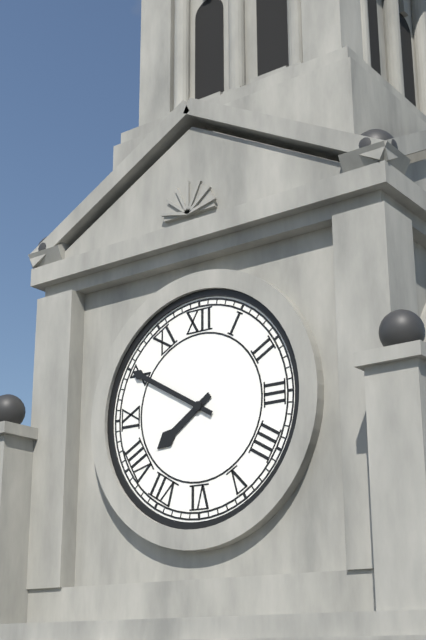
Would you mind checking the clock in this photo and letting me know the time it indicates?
7:50
